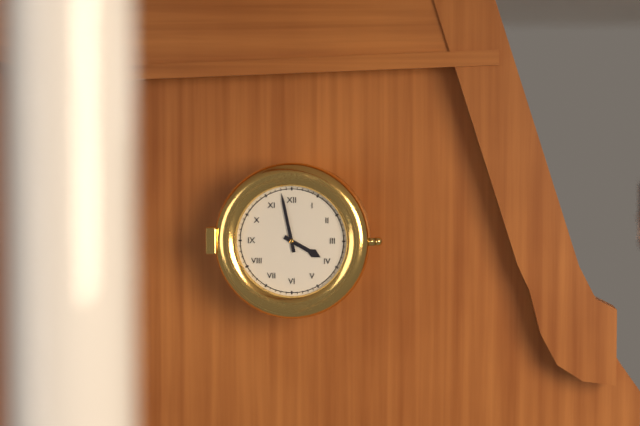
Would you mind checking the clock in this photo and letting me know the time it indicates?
3:58
